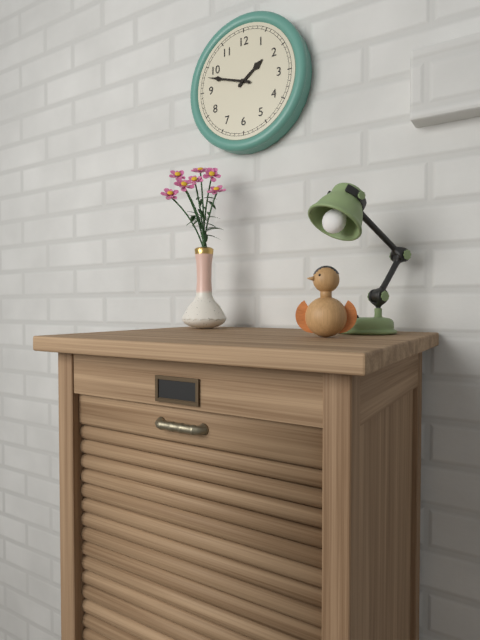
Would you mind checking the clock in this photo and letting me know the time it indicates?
1:48
